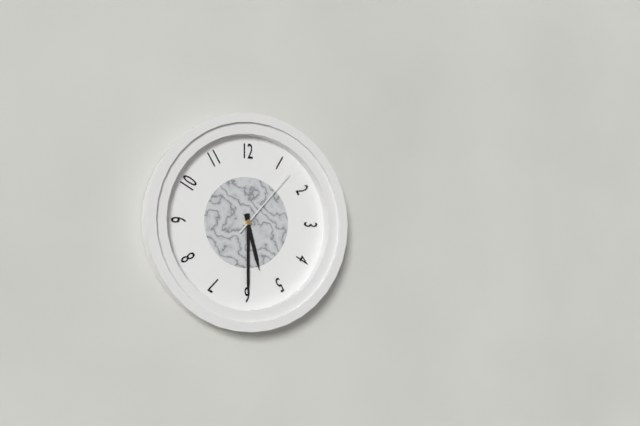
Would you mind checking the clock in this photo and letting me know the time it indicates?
5:30:07
